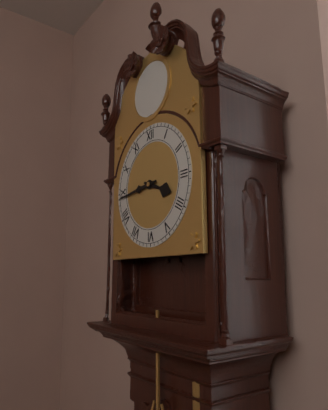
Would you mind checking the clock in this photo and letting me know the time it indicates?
3:44
